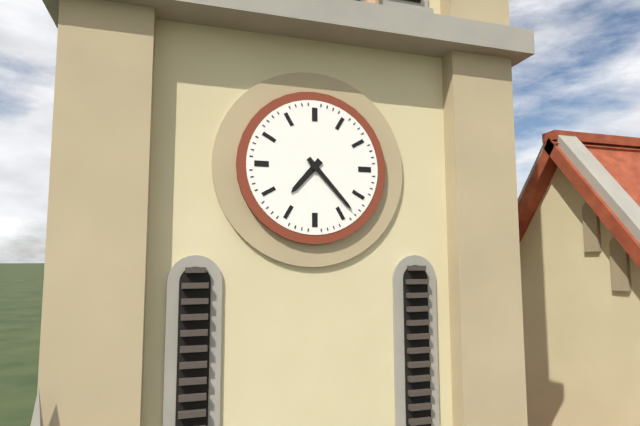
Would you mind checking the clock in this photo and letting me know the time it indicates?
7:23
